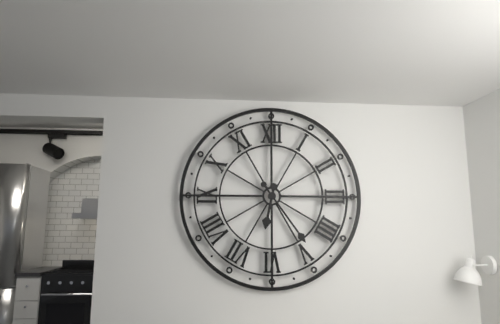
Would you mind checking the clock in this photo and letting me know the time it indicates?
6:24
